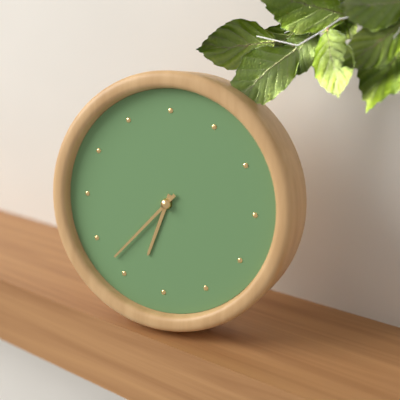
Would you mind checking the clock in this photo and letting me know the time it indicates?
6:37
